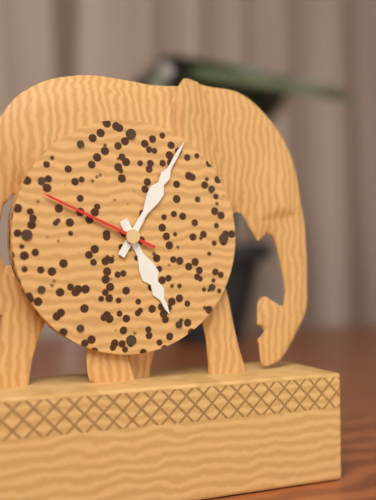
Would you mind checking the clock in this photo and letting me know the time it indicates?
5:05:49
